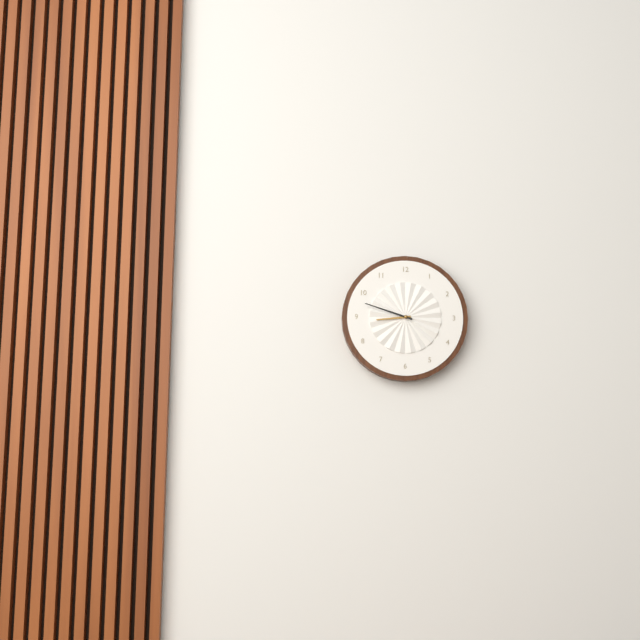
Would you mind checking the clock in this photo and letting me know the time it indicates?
8:48
